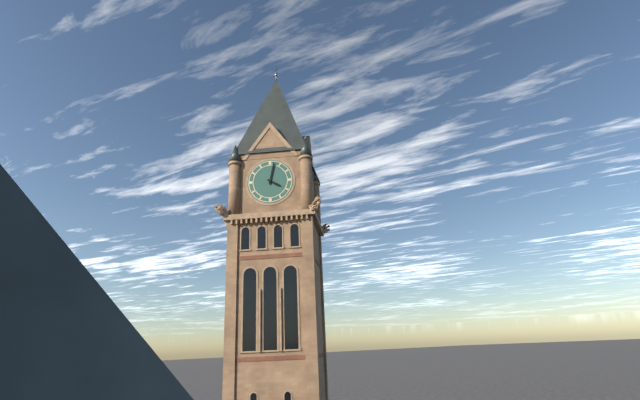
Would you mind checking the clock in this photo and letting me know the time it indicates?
4:02
